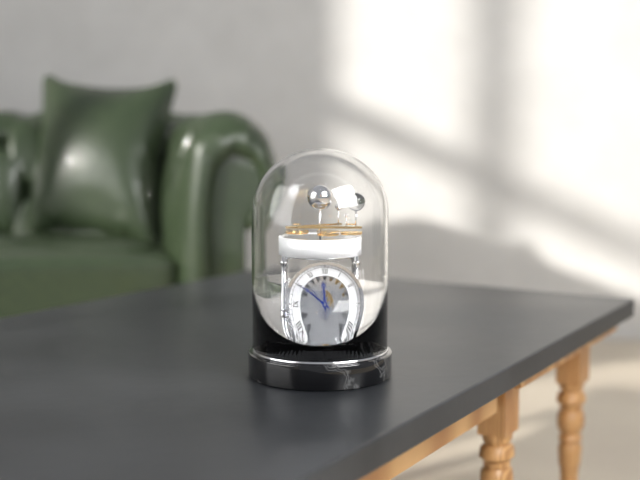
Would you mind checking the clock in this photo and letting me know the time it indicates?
11:50
